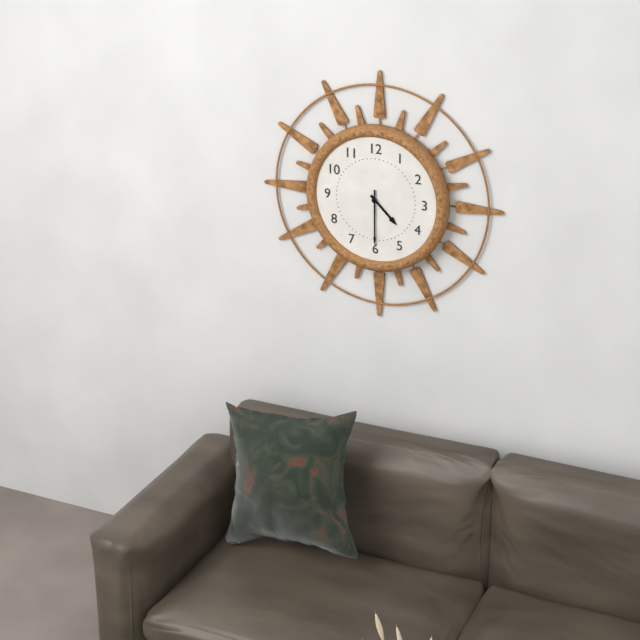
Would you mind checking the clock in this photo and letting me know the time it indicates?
4:30
